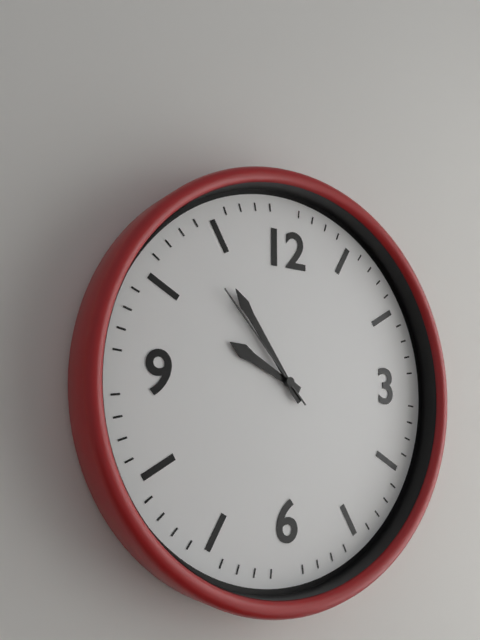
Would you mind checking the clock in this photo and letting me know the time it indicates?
9:54:53
